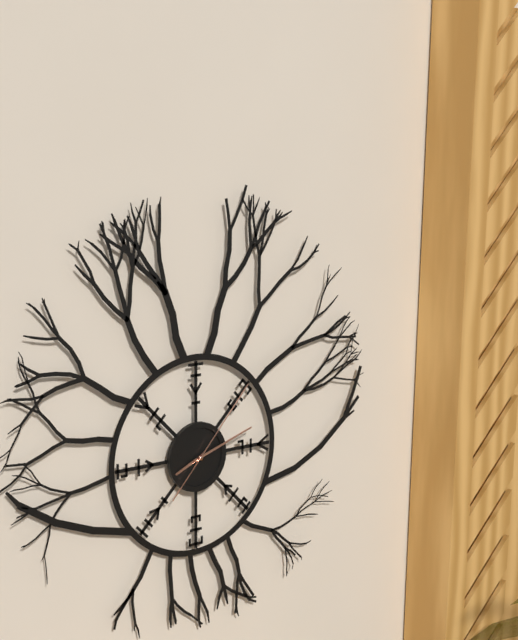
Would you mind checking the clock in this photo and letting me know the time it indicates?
8:12:07
